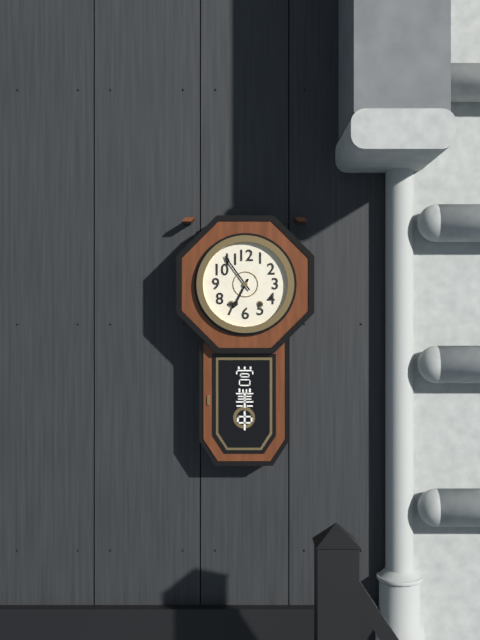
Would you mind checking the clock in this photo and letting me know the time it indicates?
6:54
